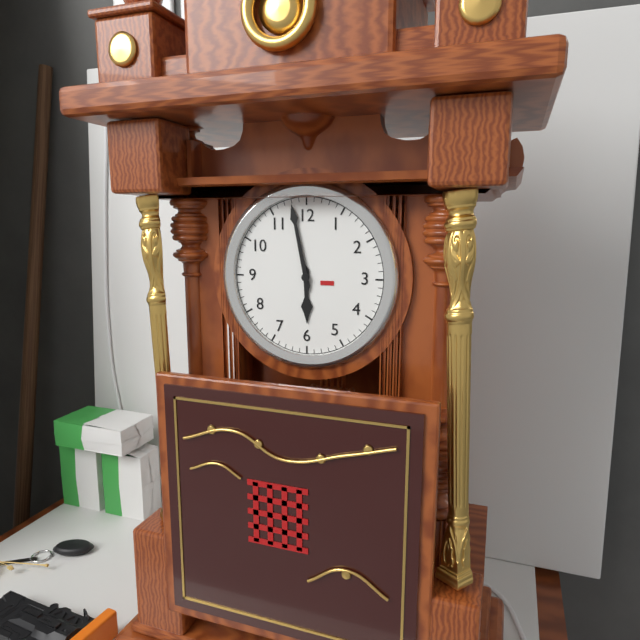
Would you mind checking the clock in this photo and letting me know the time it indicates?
5:58
